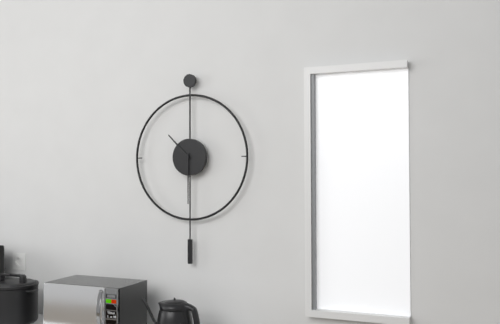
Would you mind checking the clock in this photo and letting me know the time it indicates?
10:30
